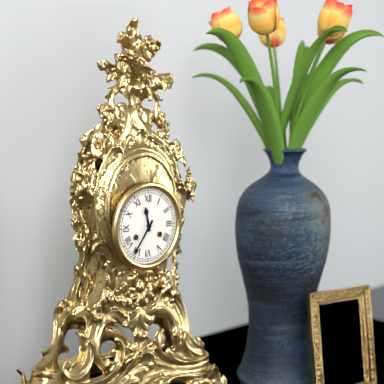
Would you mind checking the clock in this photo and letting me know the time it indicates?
11:36
